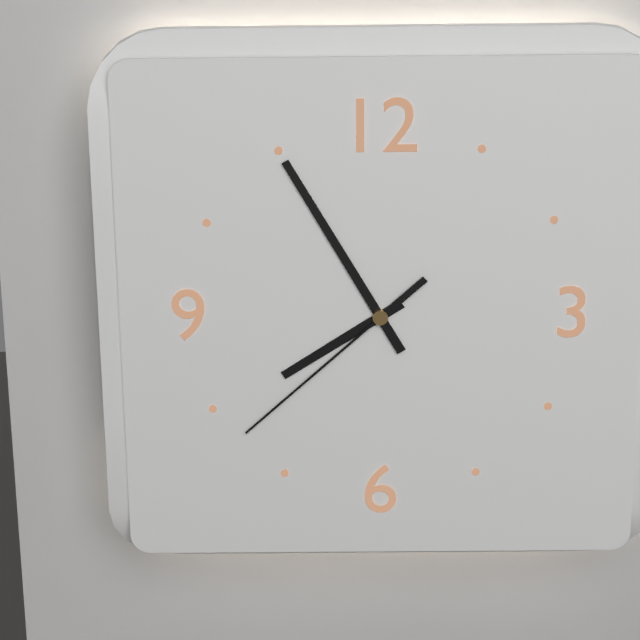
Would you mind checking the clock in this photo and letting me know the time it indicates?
7:55:38
